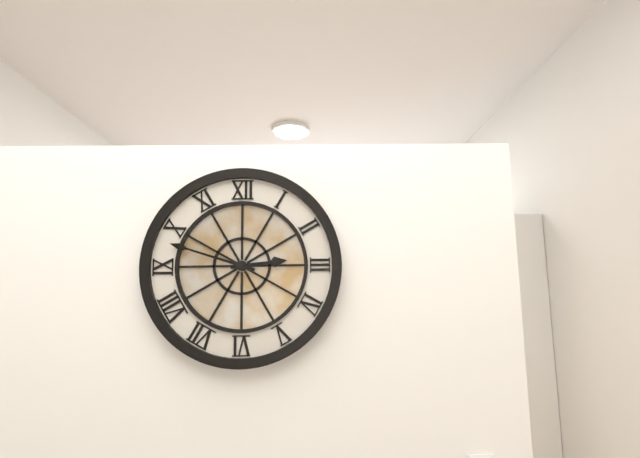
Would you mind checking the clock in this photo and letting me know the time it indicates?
2:48
